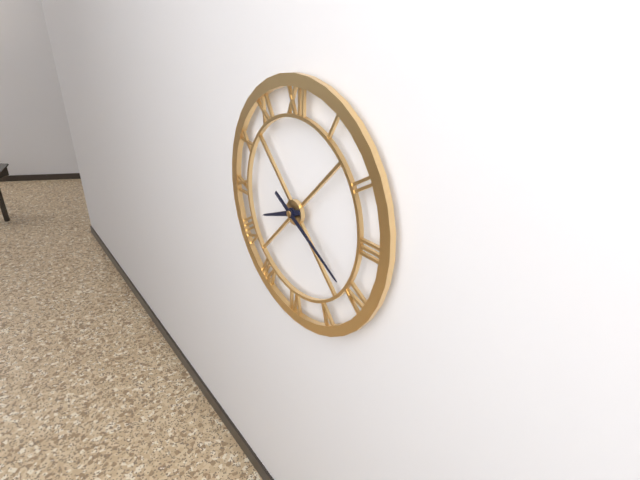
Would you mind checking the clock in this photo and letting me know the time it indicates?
8:20
